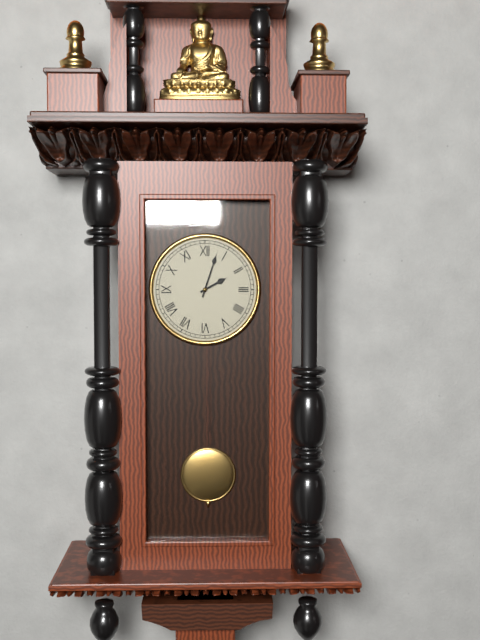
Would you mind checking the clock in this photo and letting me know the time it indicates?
2:03
